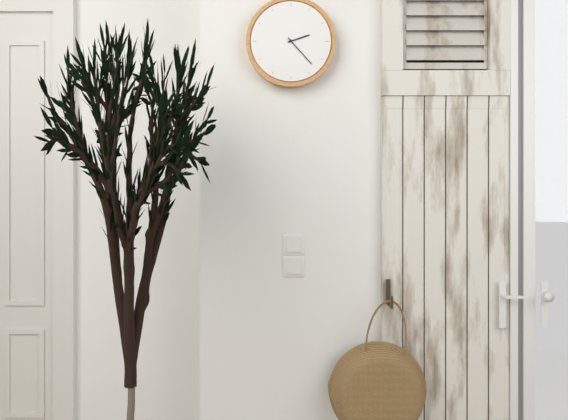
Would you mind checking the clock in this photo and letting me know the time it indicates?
2:23
